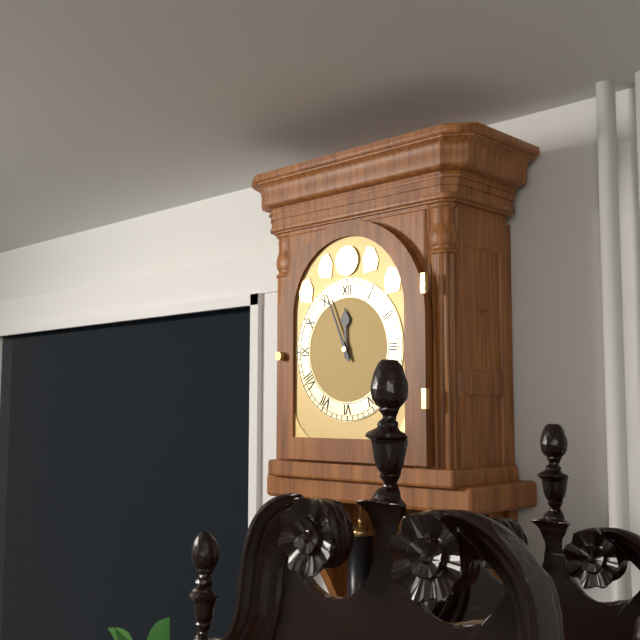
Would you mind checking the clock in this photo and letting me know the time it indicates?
11:56
